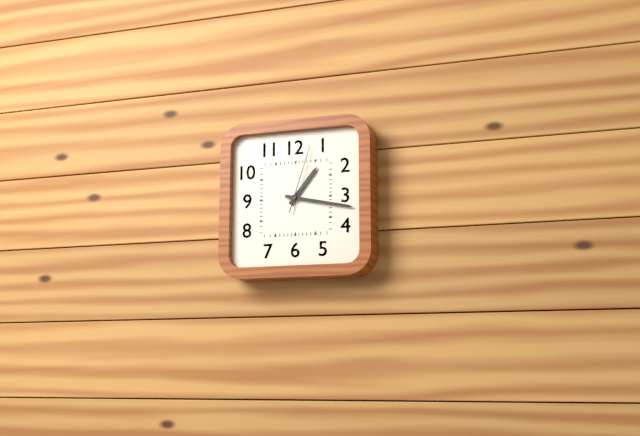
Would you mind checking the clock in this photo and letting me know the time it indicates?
1:17:03
